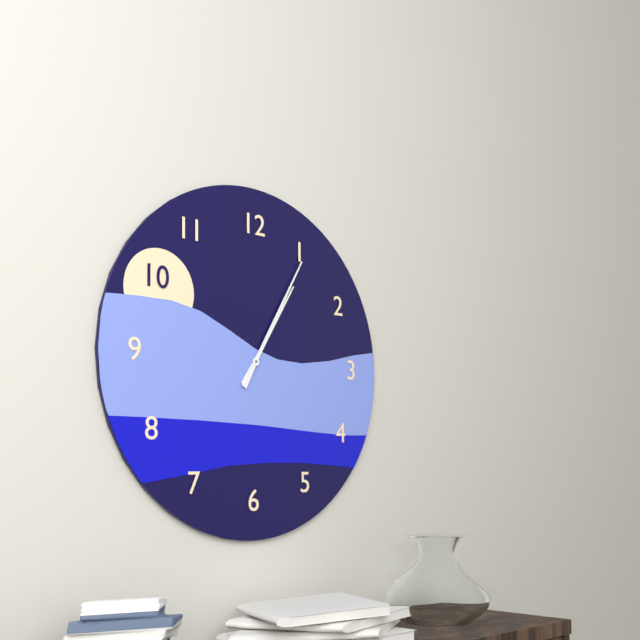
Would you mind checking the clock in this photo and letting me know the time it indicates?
1:05
